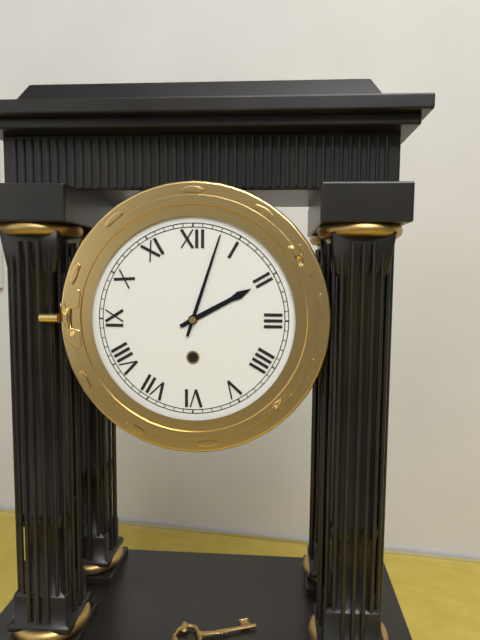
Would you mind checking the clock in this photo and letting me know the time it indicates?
2:03
